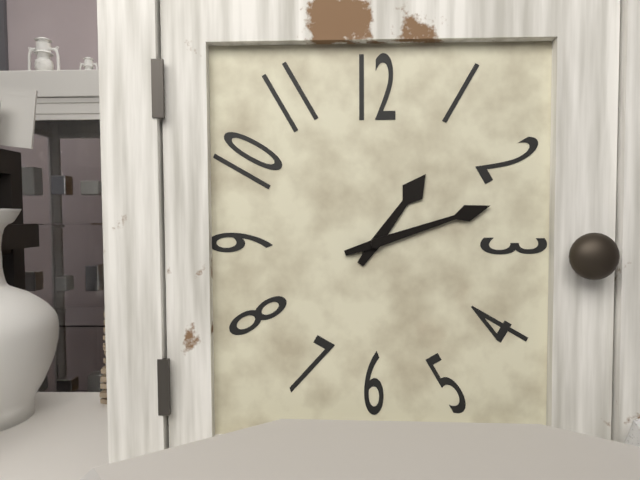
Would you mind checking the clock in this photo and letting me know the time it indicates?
1:12
